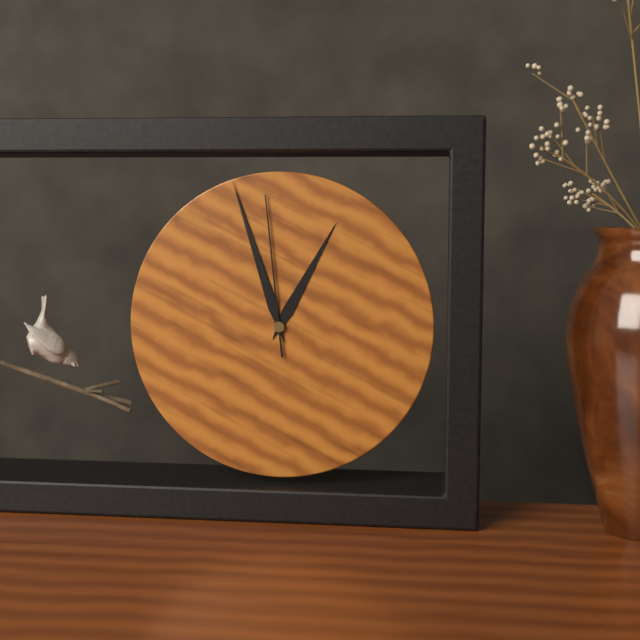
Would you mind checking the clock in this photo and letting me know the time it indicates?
12:57:59
